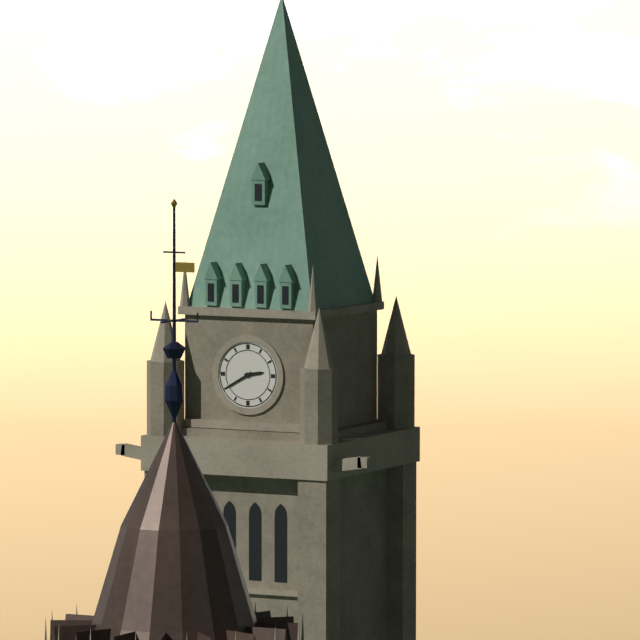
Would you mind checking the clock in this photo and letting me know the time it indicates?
2:40
